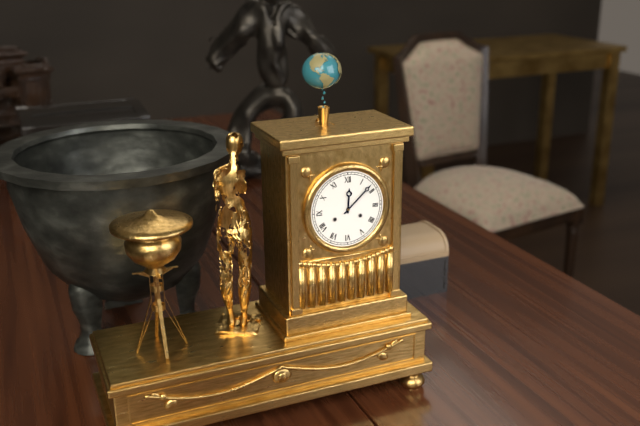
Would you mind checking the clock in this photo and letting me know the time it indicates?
12:08
